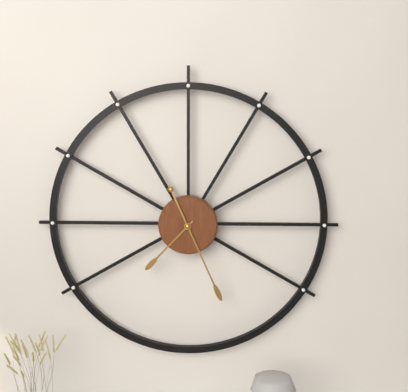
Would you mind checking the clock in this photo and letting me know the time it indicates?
7:26
